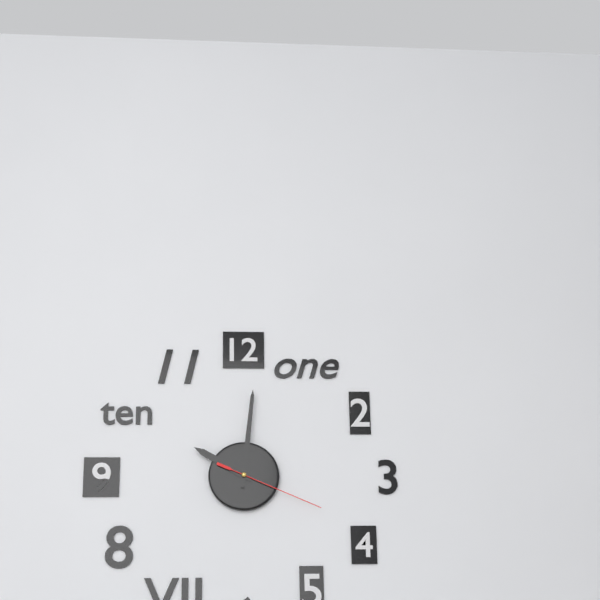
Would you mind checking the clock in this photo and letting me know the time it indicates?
10:01:19
